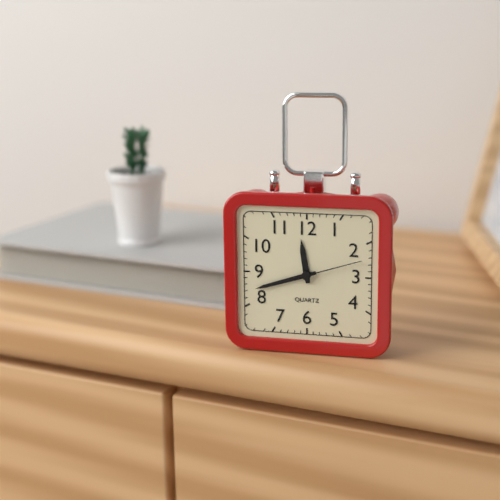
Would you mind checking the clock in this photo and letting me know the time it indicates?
11:42:12
